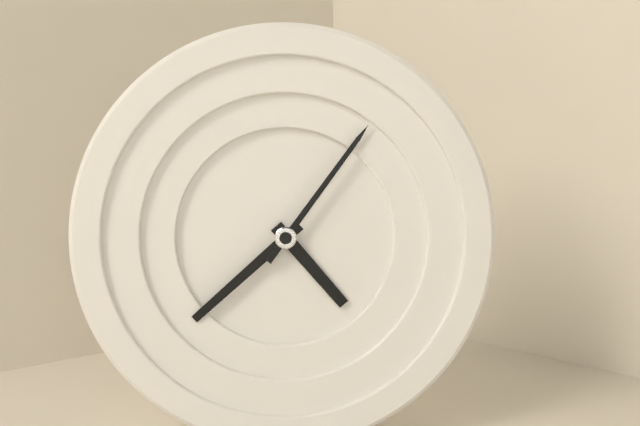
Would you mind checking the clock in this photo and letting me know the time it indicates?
4:38:06
